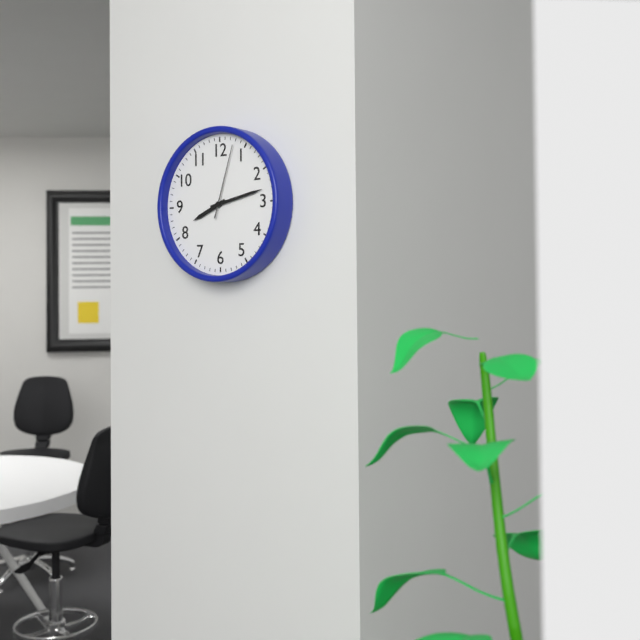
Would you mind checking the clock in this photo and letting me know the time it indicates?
8:13:03
